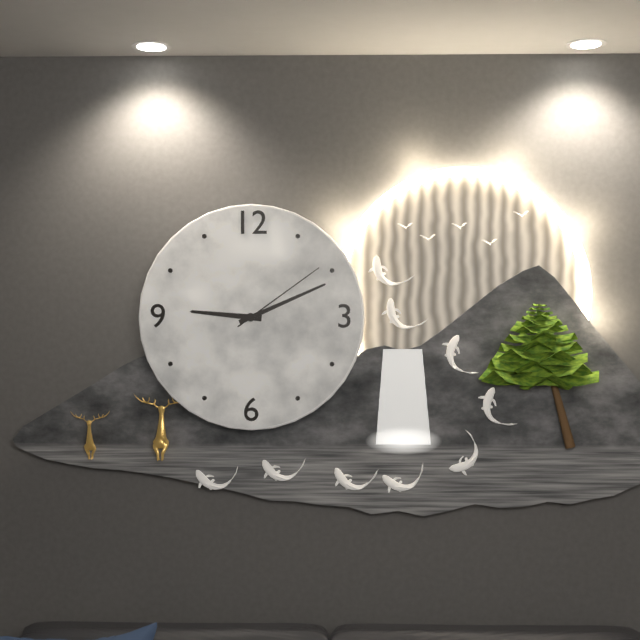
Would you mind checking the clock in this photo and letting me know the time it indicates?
9:11:09
